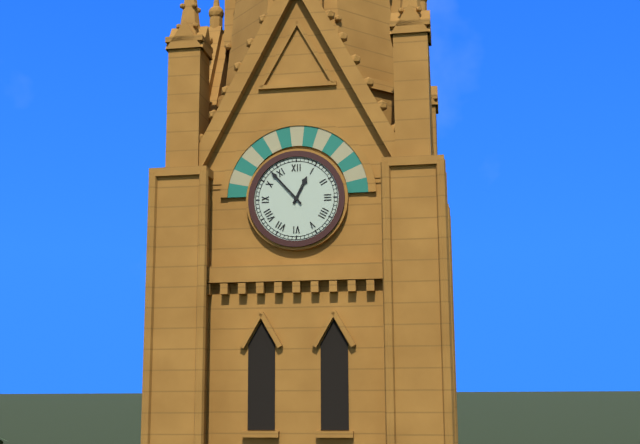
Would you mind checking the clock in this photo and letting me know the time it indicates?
12:53
